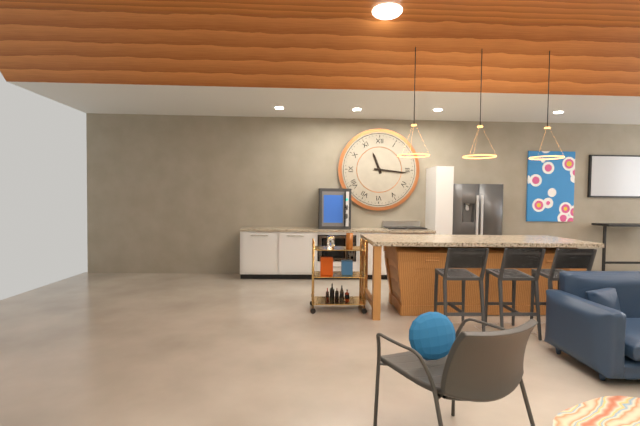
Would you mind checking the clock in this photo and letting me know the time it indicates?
11:16
